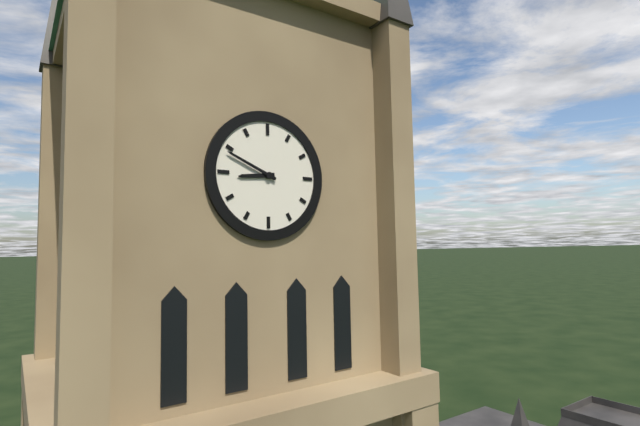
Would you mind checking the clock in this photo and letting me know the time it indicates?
8:49
